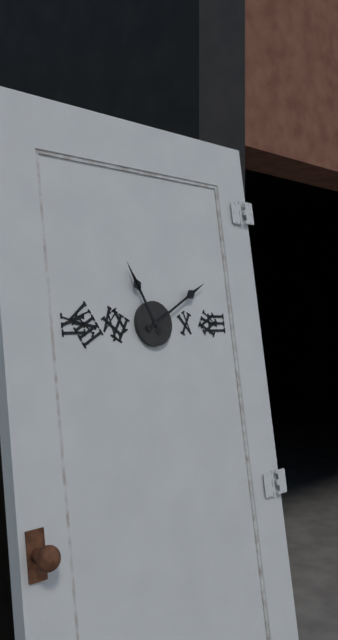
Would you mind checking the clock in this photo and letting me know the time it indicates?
11:10
